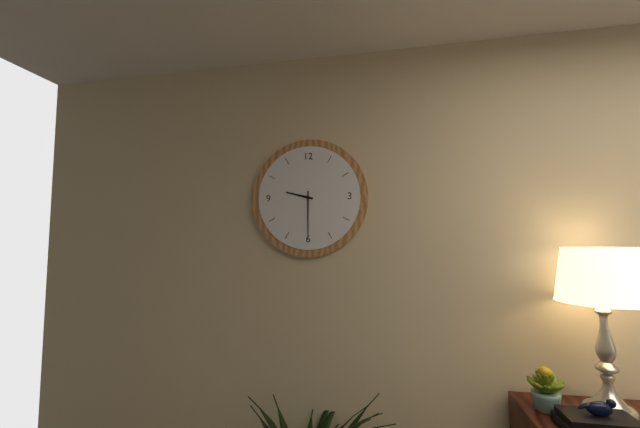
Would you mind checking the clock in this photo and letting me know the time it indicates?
9:30
